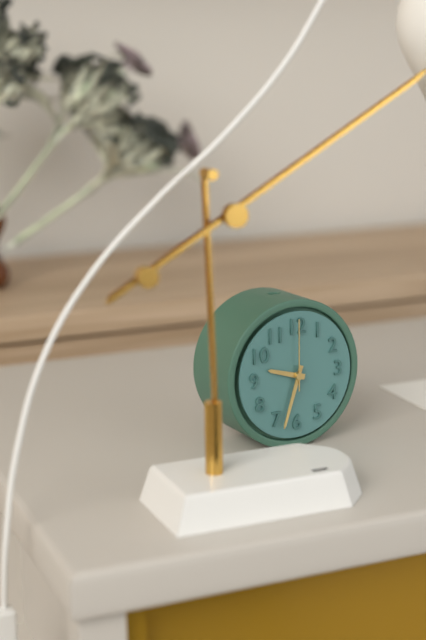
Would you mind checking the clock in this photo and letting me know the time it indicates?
9:33:00
